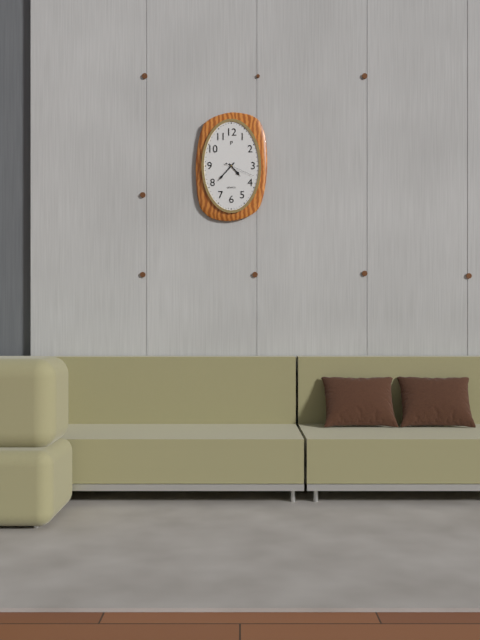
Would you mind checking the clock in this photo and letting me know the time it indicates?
4:37
